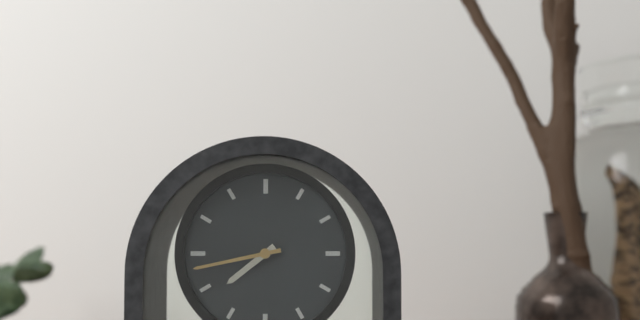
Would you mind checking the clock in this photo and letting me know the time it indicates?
7:43
